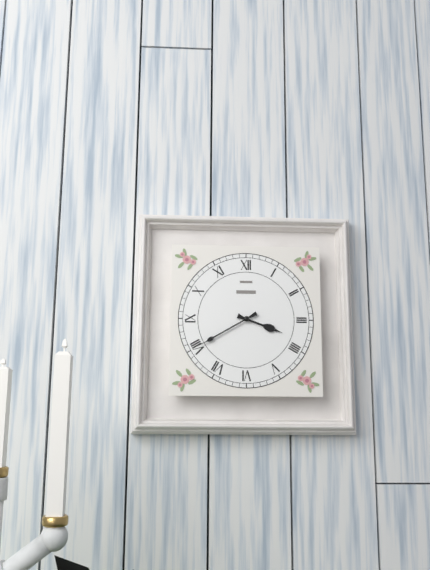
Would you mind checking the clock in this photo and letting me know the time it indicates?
3:40
